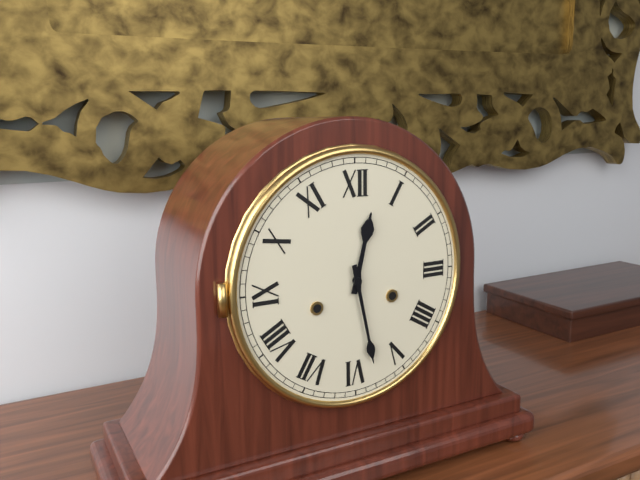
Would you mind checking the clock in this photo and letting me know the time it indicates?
12:28
